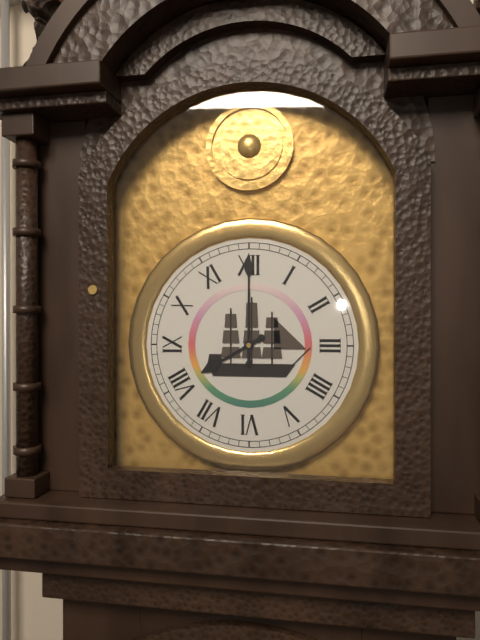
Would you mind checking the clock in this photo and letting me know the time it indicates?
8:00
